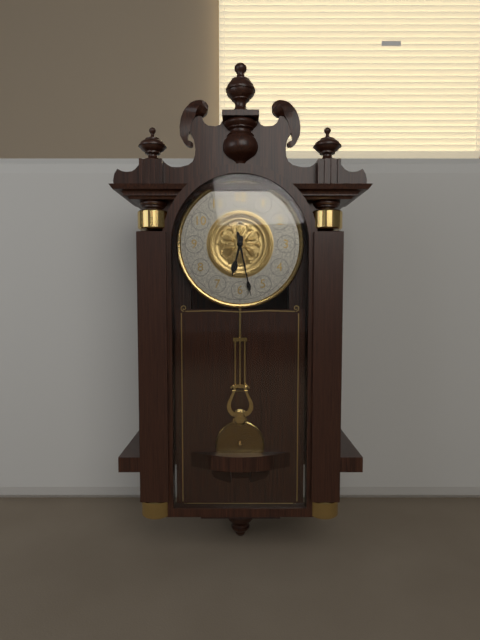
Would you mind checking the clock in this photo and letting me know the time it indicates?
6:28
